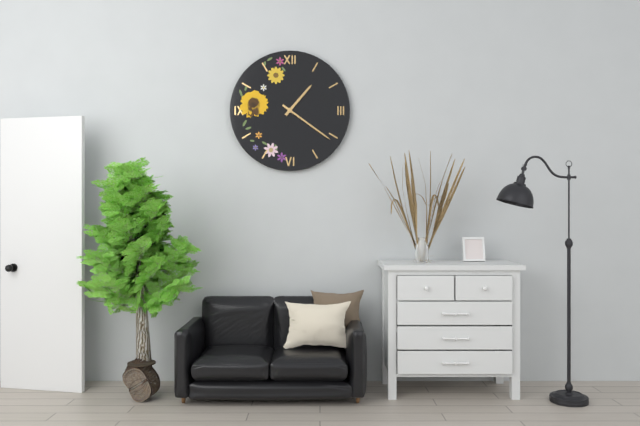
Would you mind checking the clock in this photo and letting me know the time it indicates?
1:21
